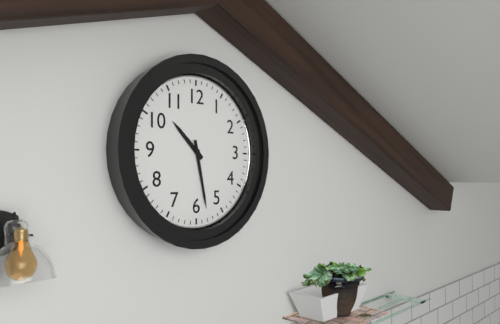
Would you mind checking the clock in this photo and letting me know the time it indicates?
10:28
